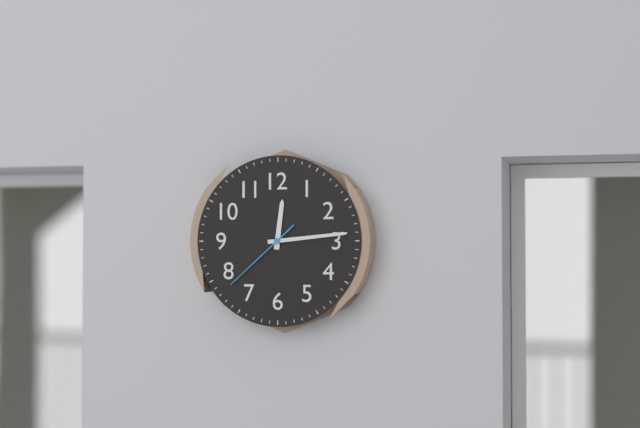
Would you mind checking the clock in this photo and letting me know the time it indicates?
12:14:38
